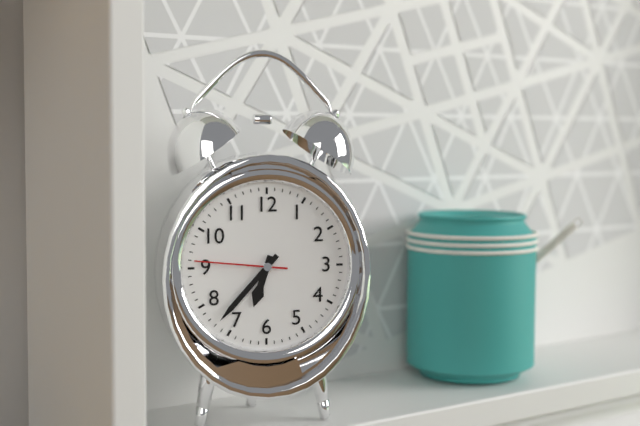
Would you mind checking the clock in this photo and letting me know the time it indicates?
6:37:46
